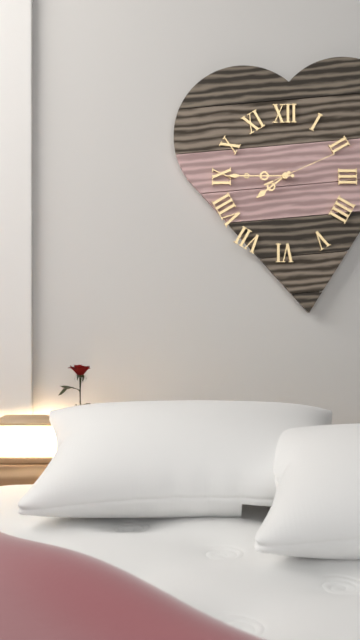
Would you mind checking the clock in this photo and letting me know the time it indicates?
7:45:11
